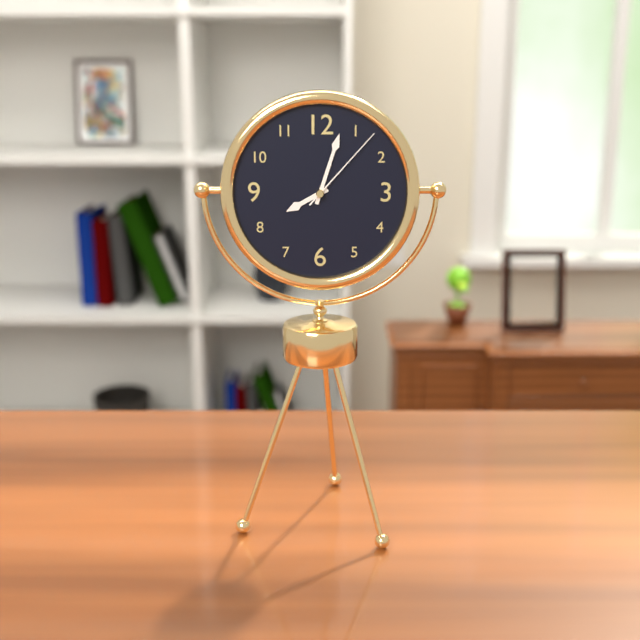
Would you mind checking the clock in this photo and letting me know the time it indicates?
8:03:07
